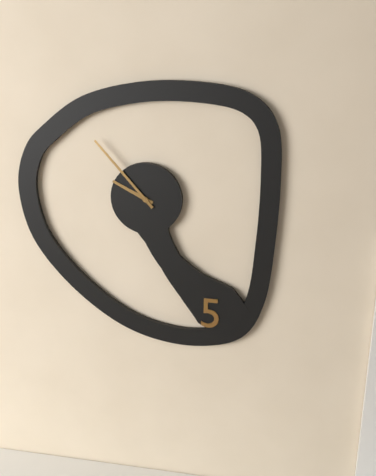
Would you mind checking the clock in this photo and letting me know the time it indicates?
9:53
